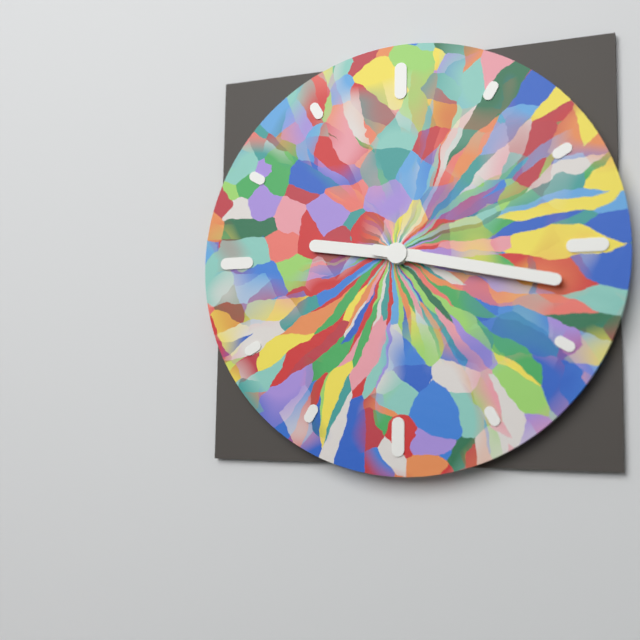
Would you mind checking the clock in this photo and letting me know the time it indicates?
9:17
